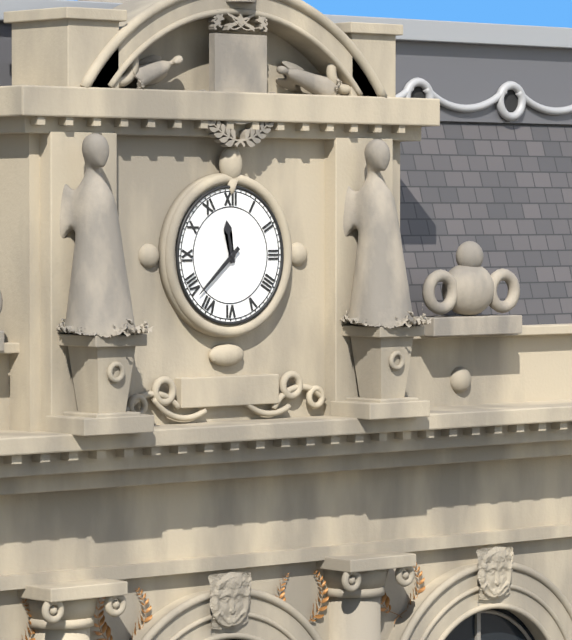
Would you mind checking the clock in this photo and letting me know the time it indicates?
11:38
